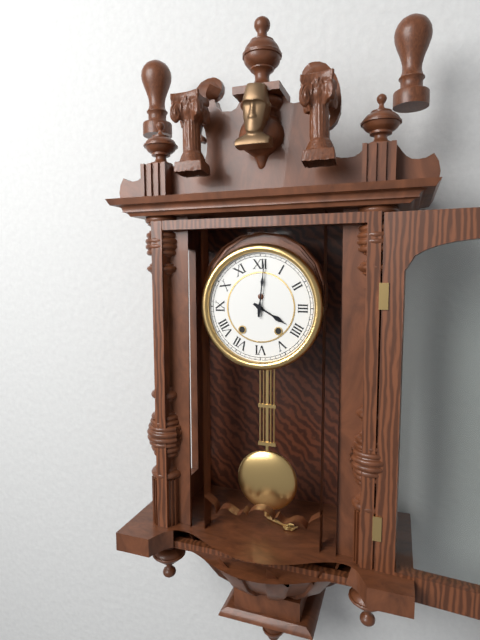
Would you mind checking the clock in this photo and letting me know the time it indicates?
4:01
